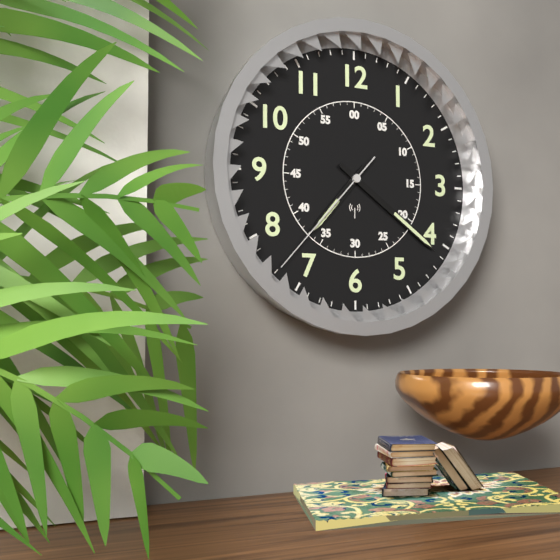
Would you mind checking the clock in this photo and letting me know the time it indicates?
7:21:37
